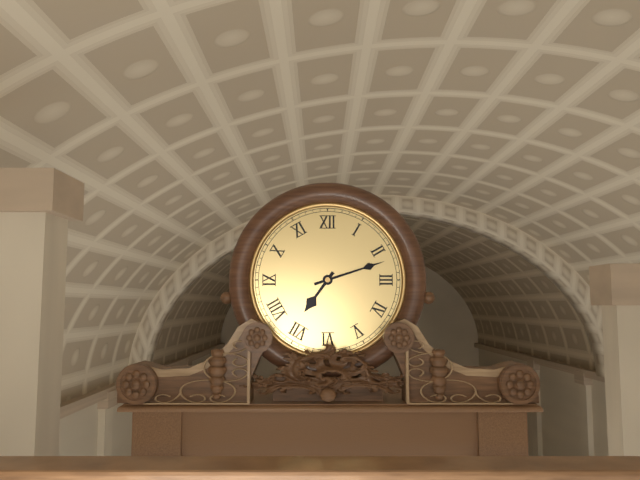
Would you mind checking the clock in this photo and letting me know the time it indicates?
7:12
